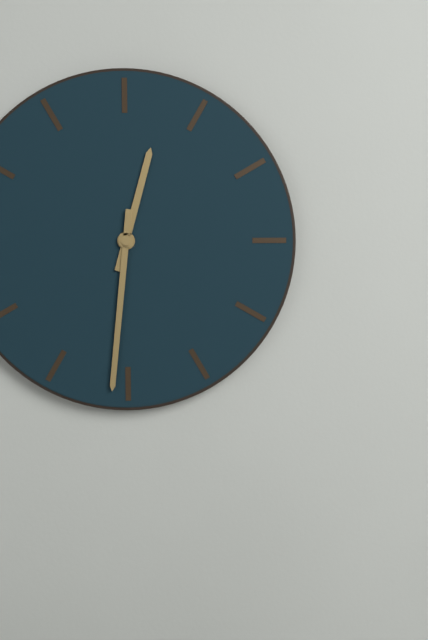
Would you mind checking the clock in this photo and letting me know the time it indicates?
12:31
